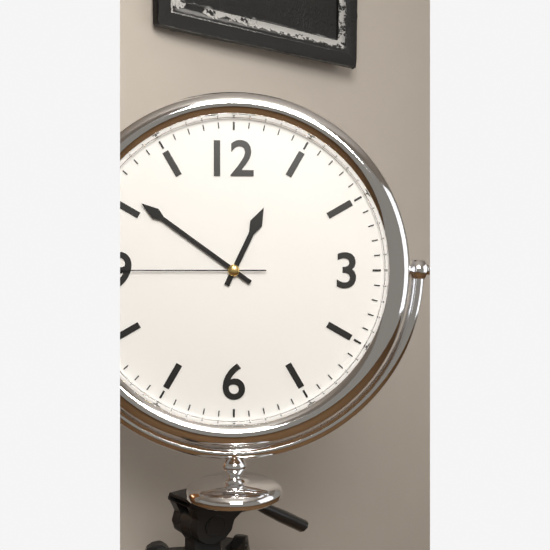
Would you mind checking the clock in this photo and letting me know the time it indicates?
12:51:45
